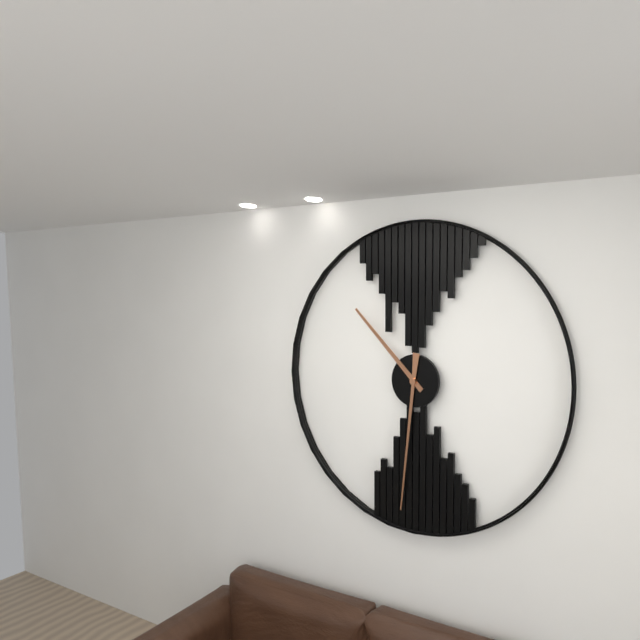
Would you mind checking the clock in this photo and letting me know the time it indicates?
10:31
